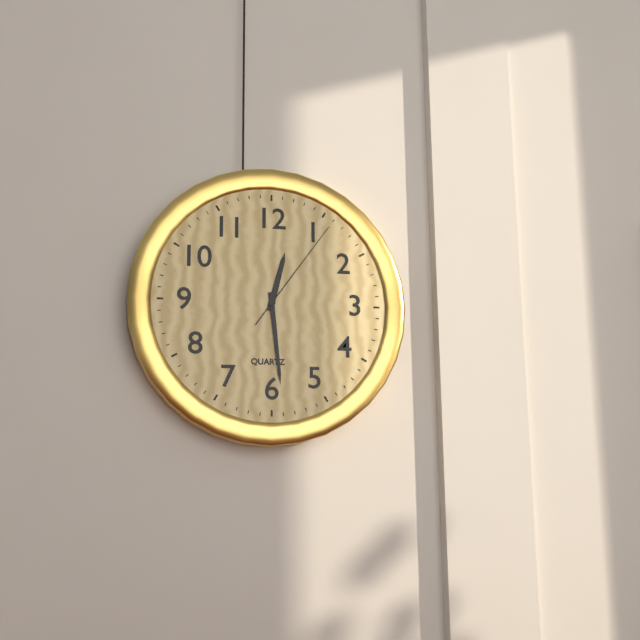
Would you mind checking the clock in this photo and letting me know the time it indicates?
12:29:06
